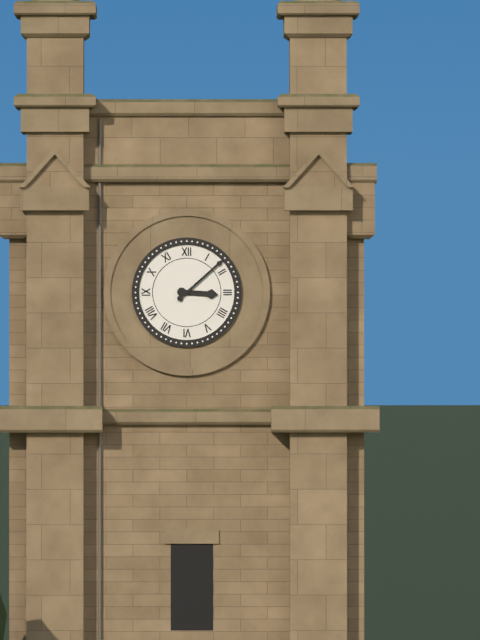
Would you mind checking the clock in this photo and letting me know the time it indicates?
3:08
